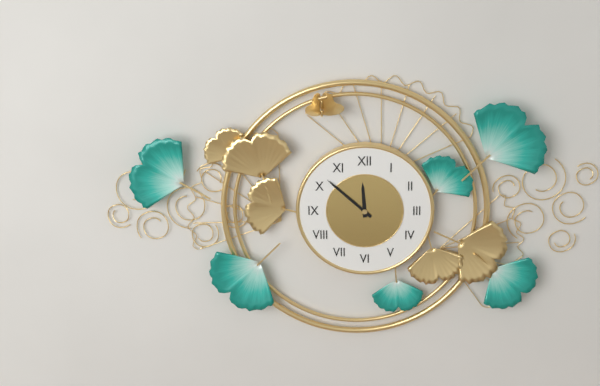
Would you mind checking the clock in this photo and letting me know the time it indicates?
11:52
